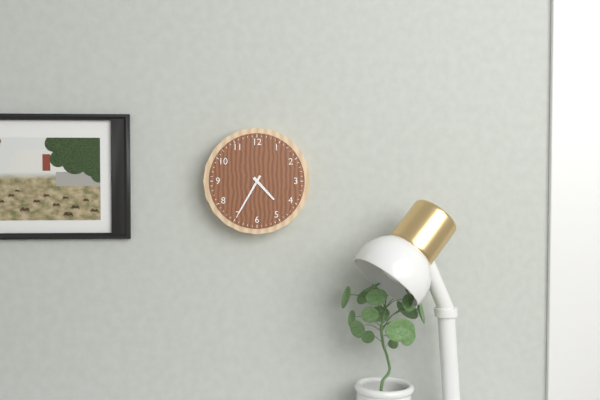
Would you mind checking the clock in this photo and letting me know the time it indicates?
4:35
